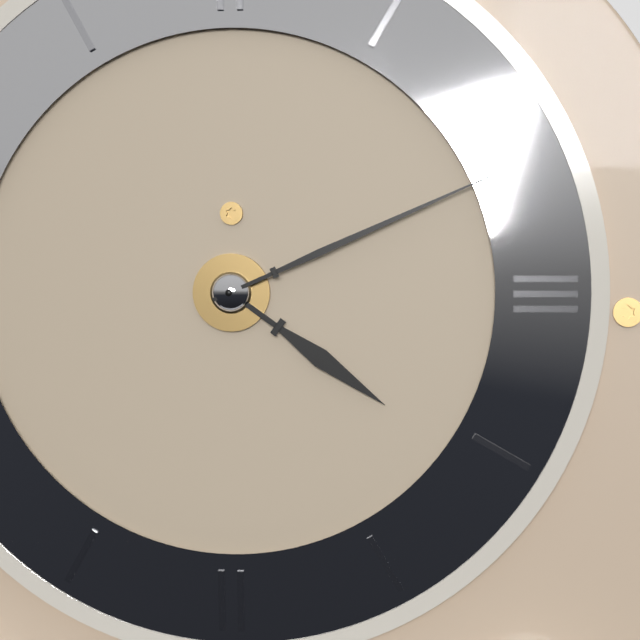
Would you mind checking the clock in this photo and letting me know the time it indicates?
4:11
